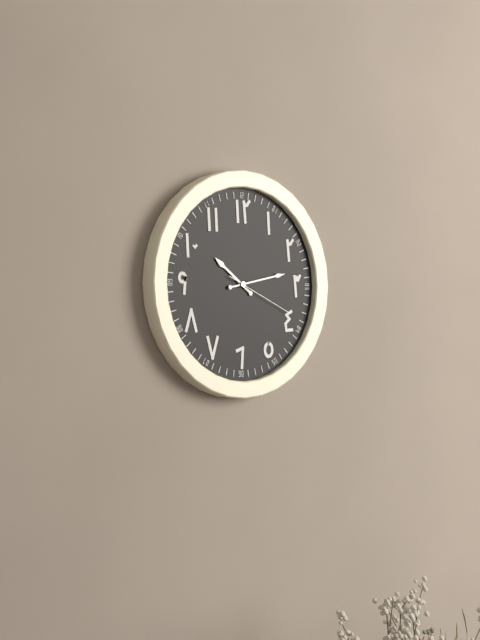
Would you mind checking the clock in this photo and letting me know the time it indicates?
10:13:19
